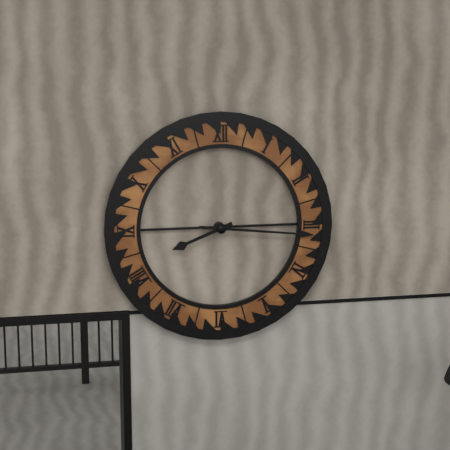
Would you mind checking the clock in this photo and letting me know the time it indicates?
8:16
